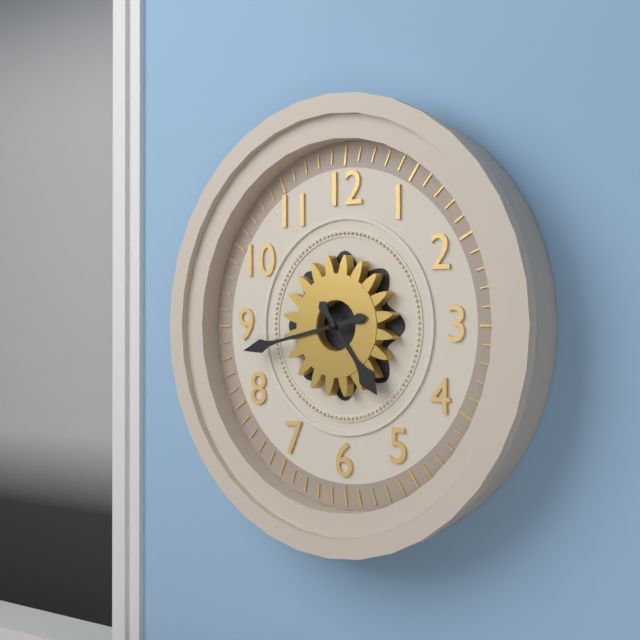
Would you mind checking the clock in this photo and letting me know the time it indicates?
4:43
